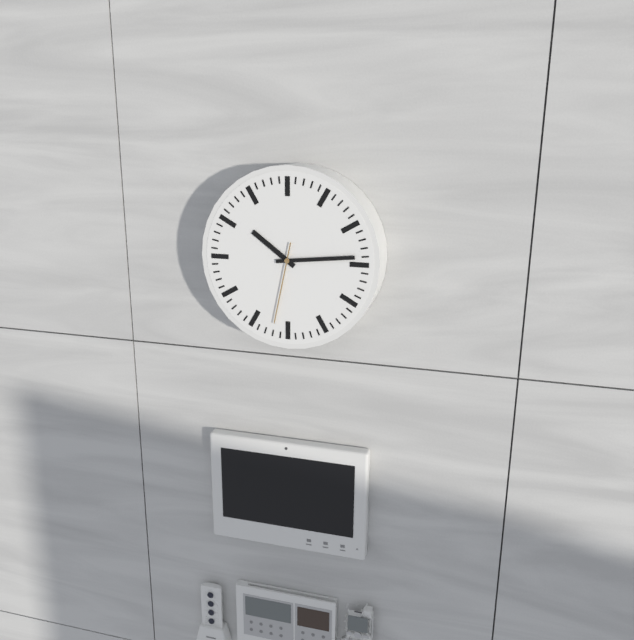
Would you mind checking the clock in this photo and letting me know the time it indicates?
10:14:32
